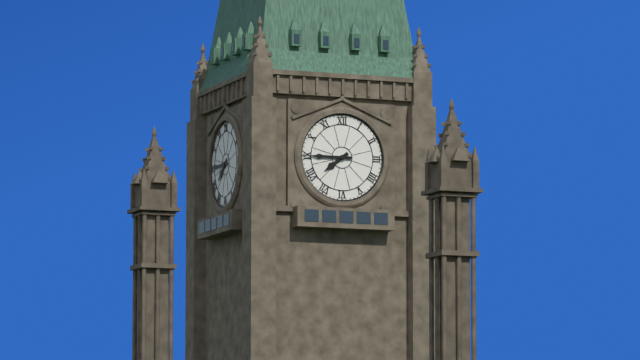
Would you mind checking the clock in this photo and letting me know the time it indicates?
7:45
